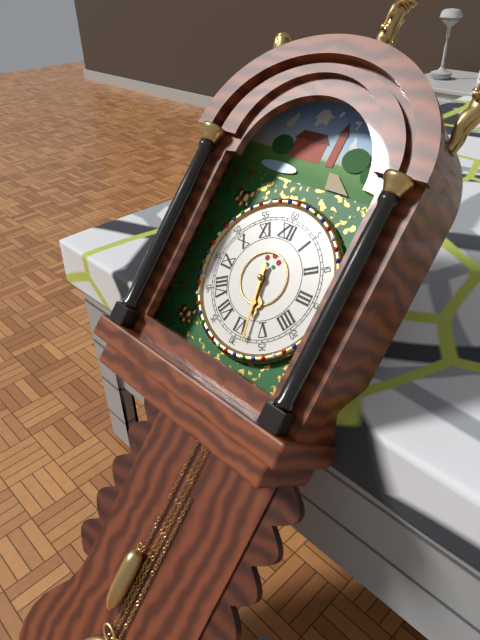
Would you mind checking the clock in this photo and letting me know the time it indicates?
5:28
